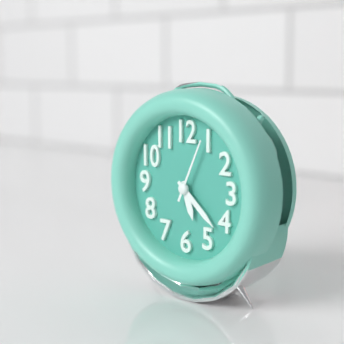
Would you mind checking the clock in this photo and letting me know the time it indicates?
5:22:04
